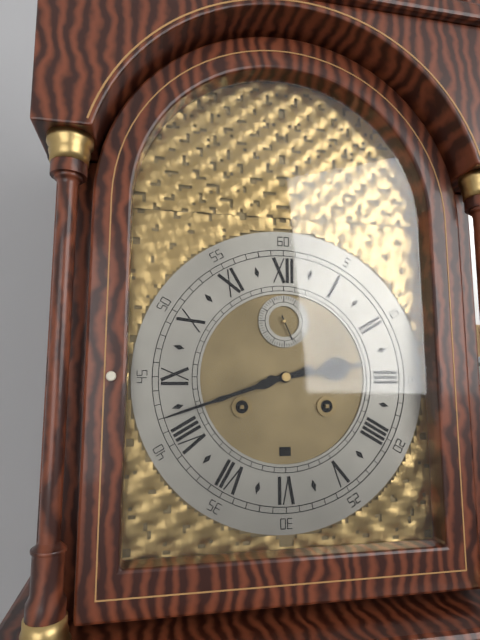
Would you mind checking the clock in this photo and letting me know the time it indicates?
2:42
